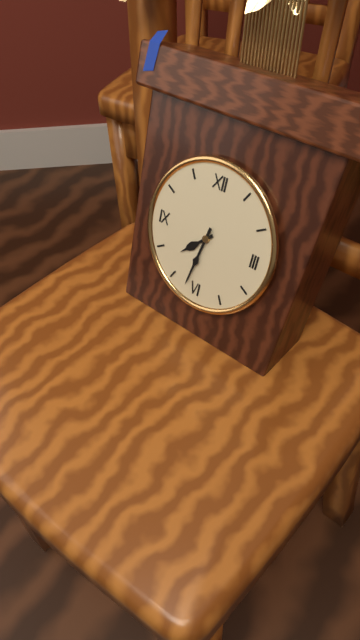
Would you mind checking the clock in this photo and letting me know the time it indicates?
7:32
